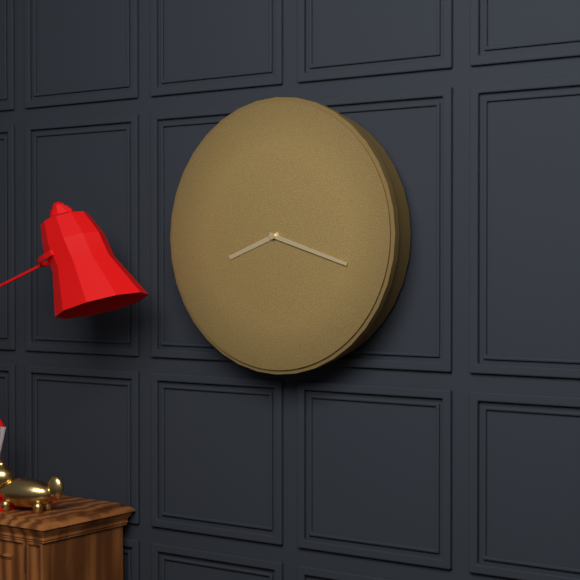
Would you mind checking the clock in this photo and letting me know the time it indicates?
8:18
